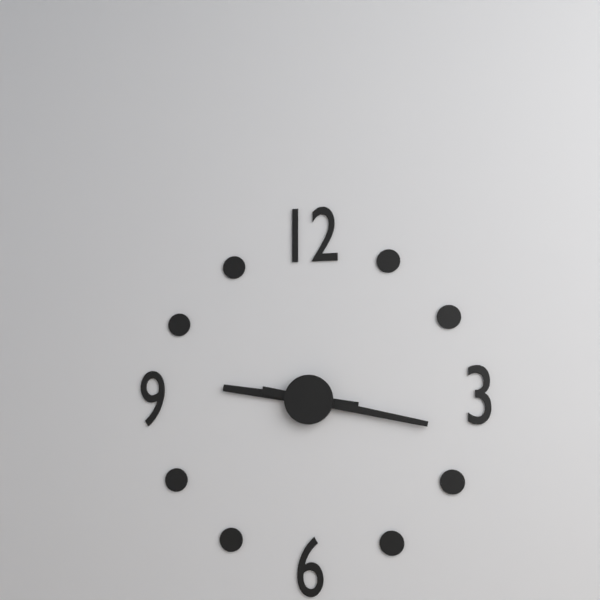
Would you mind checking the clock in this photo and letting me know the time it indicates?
9:17
